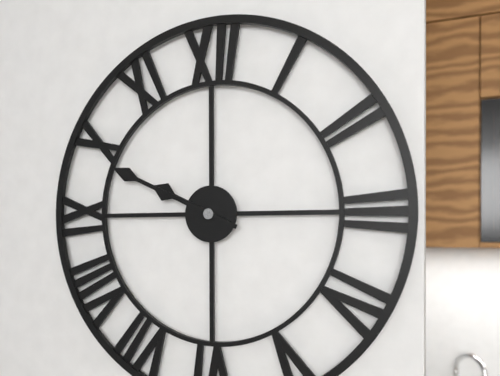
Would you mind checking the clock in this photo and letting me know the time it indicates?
9:49
